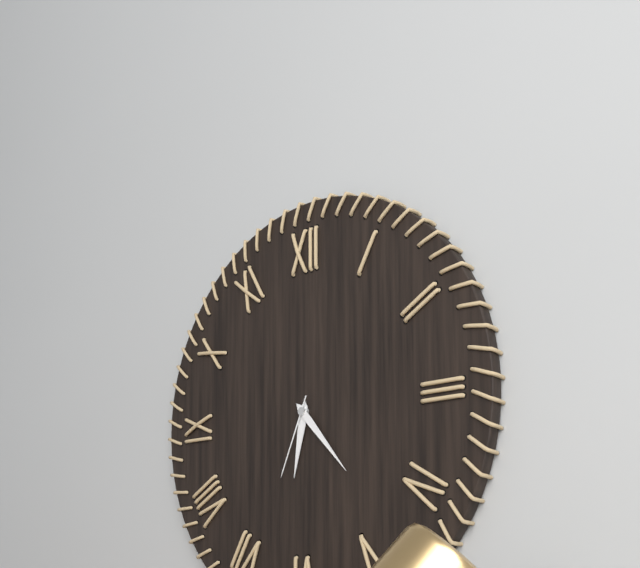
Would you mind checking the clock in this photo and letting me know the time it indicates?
6:23:34
